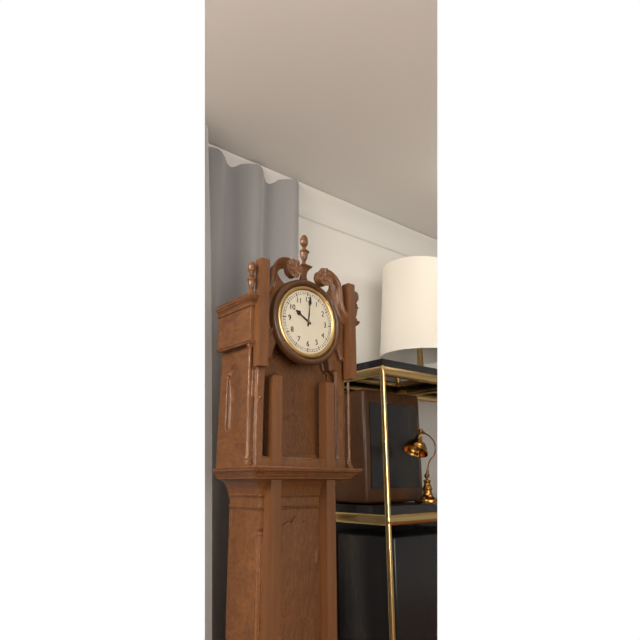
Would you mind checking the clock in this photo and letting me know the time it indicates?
10:01
